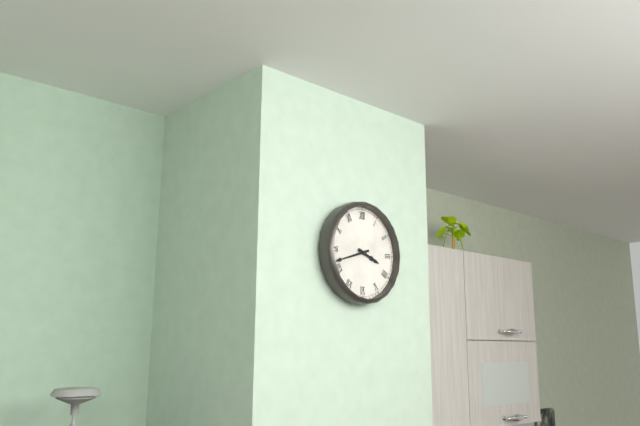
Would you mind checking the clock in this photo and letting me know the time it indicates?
3:42
